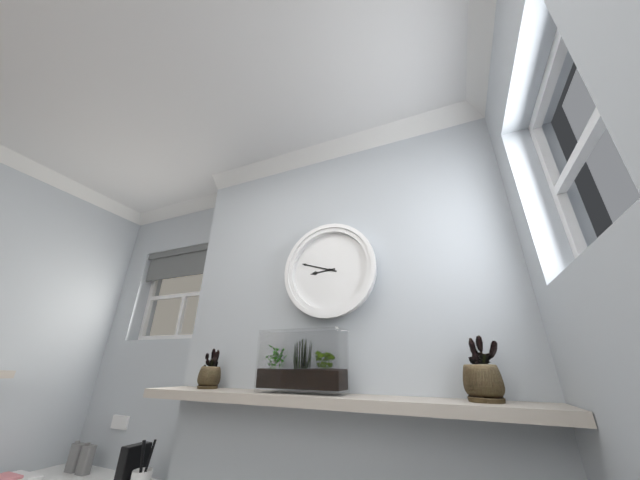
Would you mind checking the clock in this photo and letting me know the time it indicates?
8:48
